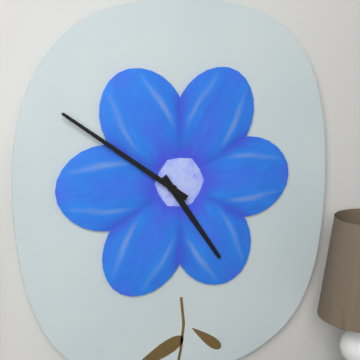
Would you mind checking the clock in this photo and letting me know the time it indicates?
4:51
